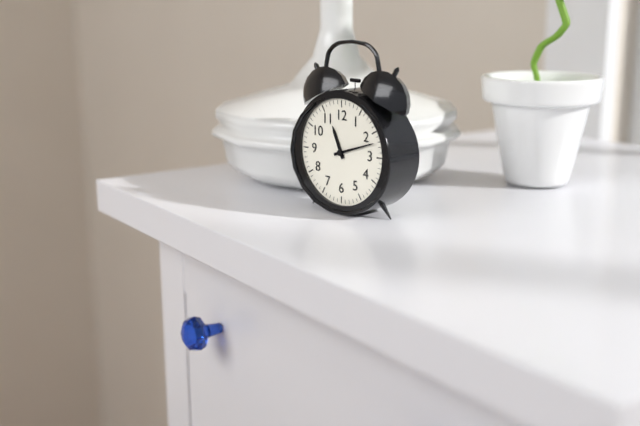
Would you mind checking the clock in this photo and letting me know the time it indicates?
11:12
